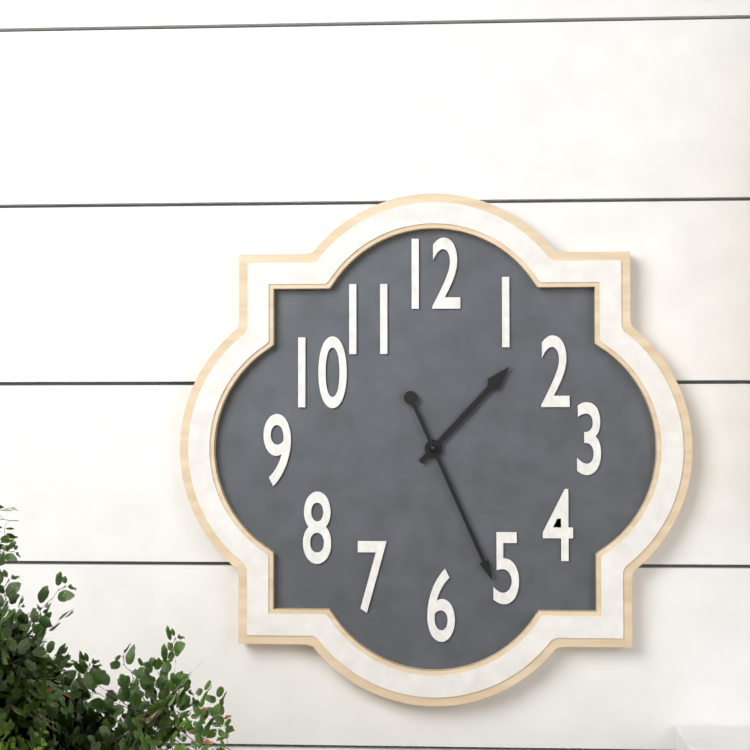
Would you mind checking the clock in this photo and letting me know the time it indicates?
1:26
